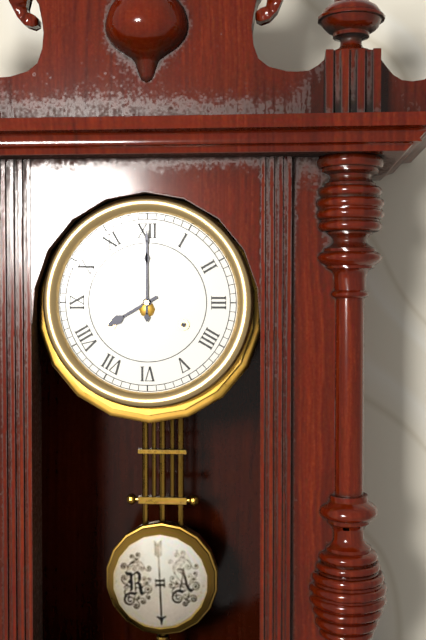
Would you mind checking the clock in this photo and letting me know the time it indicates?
8:00
